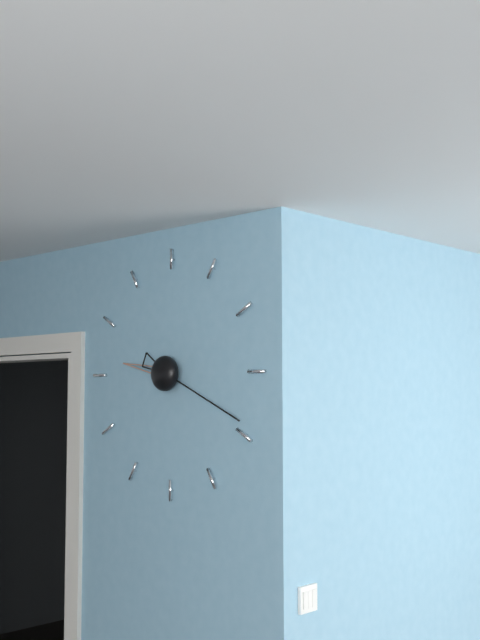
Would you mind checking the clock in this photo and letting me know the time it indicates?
9:19
